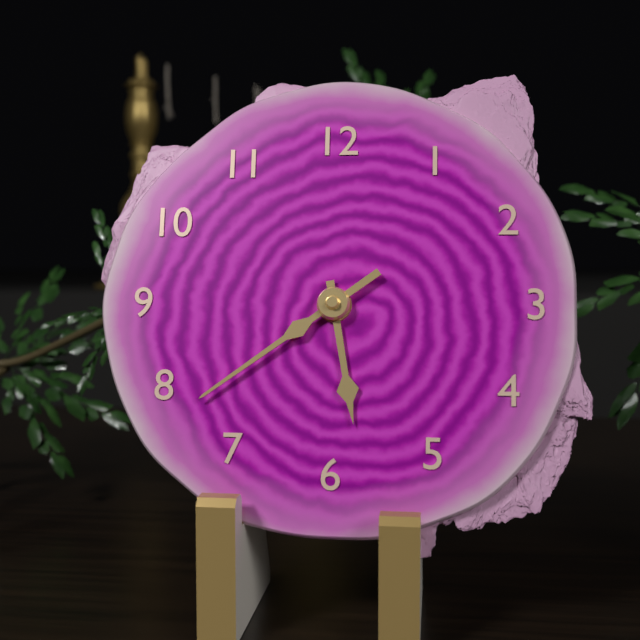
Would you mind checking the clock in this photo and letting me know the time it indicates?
5:39
